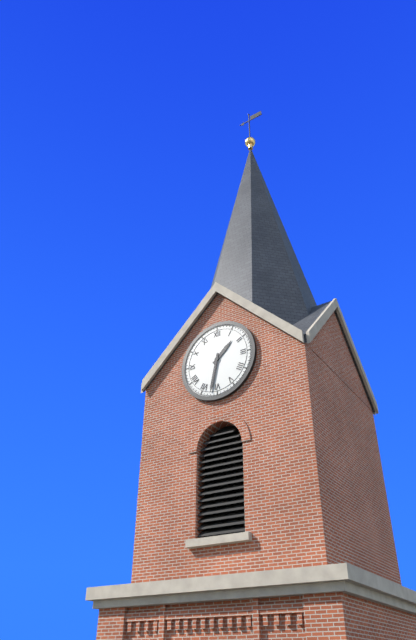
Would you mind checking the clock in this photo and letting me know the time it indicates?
1:32
